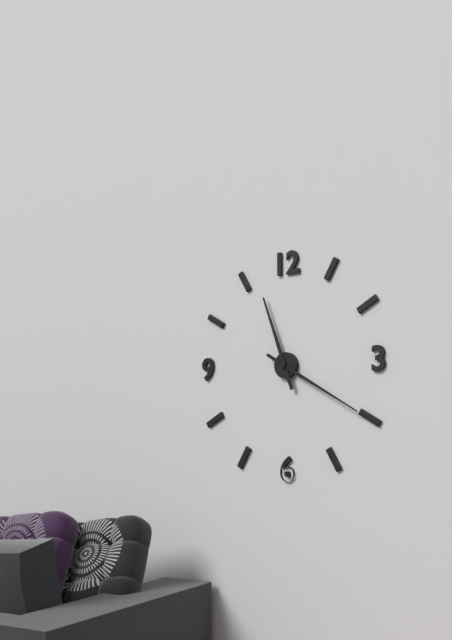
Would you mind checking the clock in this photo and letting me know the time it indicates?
11:20
